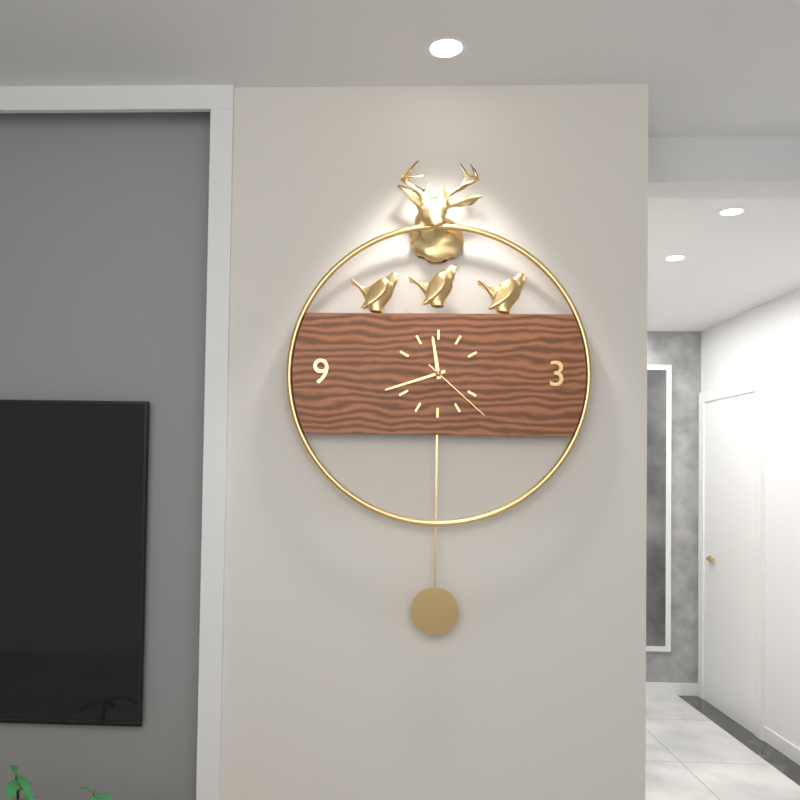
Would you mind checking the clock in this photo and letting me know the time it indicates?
11:42:22
